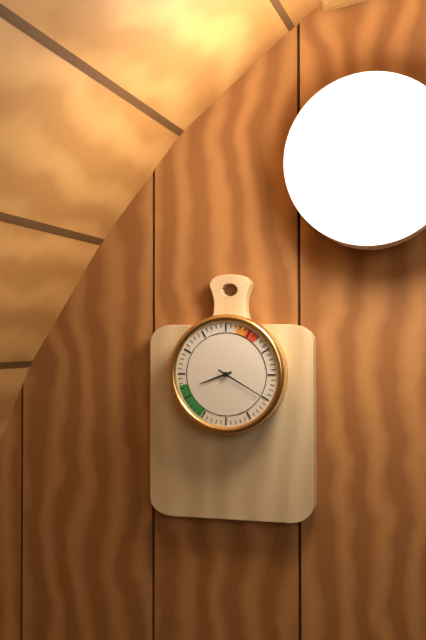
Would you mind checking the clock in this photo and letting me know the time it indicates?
8:20
